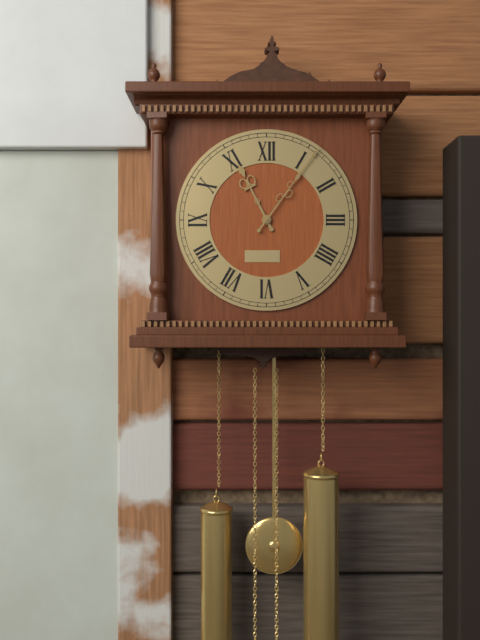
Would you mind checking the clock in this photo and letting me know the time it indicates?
11:06
